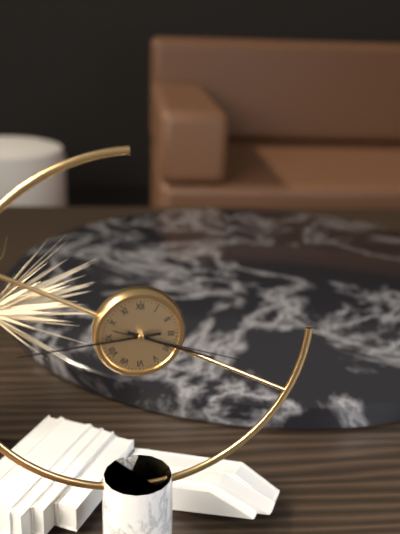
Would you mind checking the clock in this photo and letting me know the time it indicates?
3:44:18
